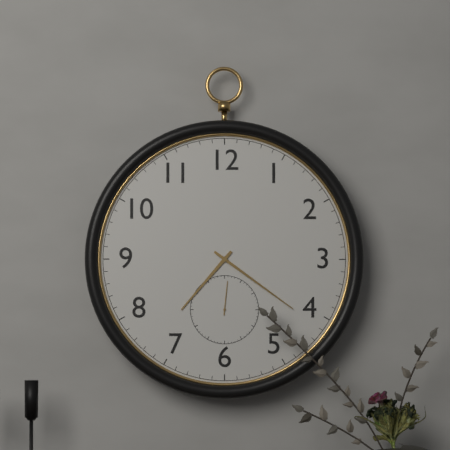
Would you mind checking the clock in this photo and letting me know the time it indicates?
7:21
